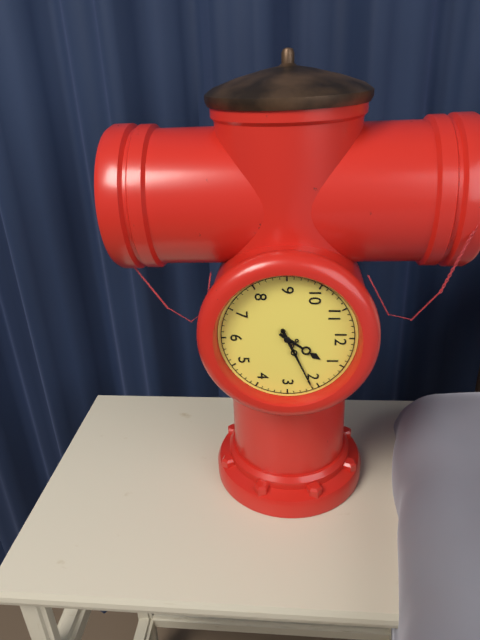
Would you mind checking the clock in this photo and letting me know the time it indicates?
1:11
